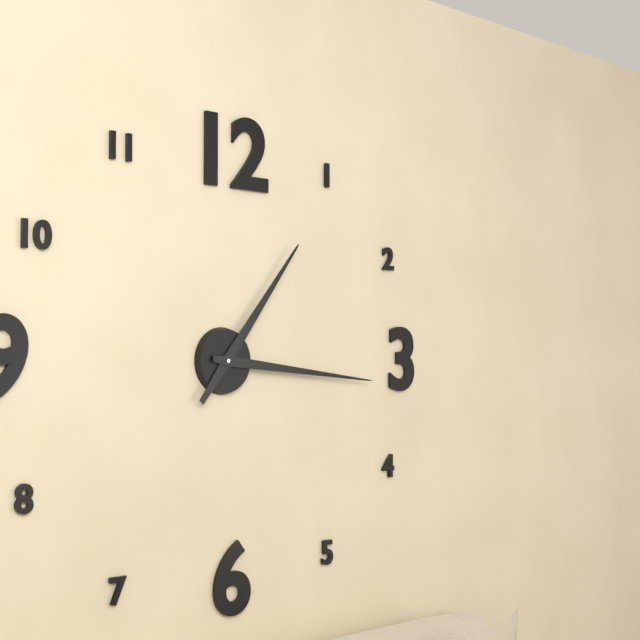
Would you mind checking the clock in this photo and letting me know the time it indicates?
1:16
